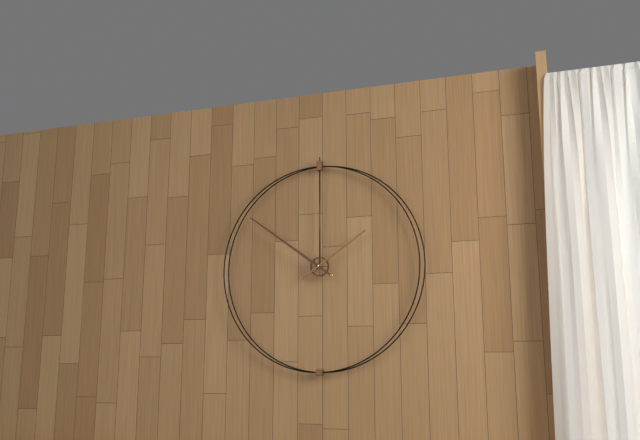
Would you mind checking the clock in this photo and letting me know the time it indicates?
1:51
